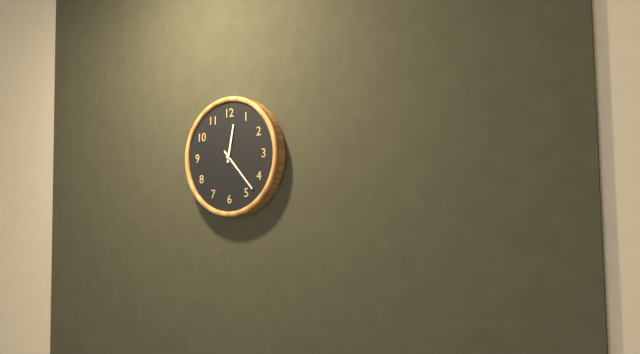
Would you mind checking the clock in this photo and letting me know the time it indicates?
12:23
